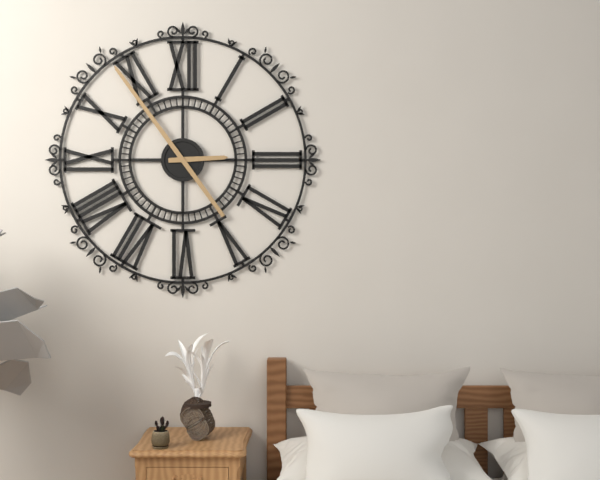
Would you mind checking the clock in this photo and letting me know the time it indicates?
2:54
